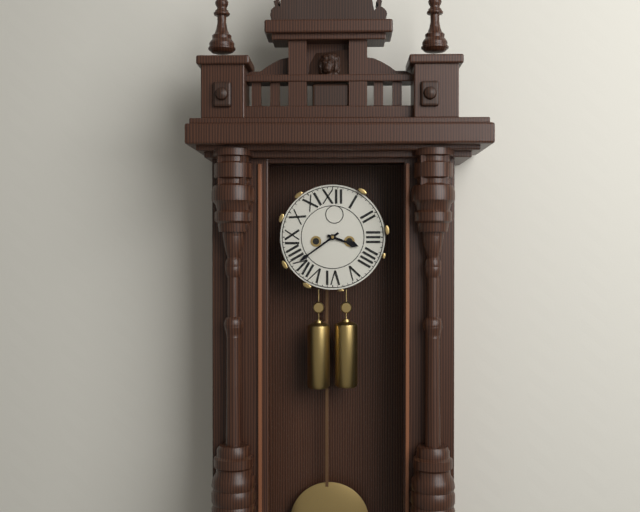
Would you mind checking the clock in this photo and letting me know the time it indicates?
3:39
